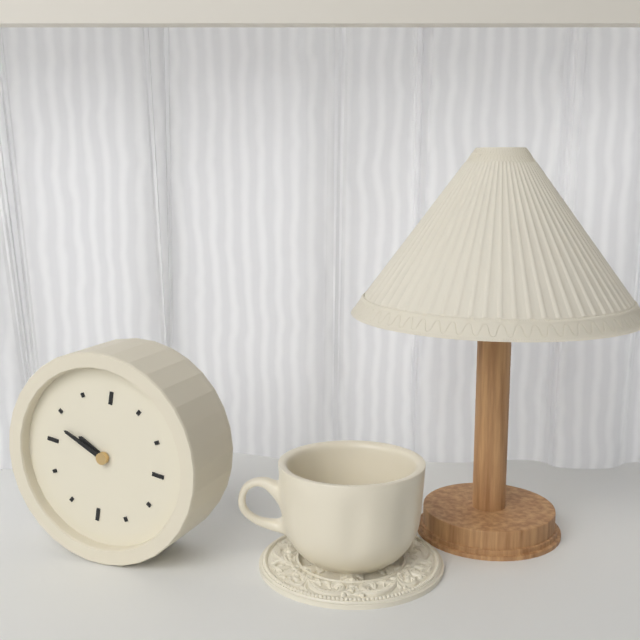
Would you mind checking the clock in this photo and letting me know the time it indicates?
9:48
